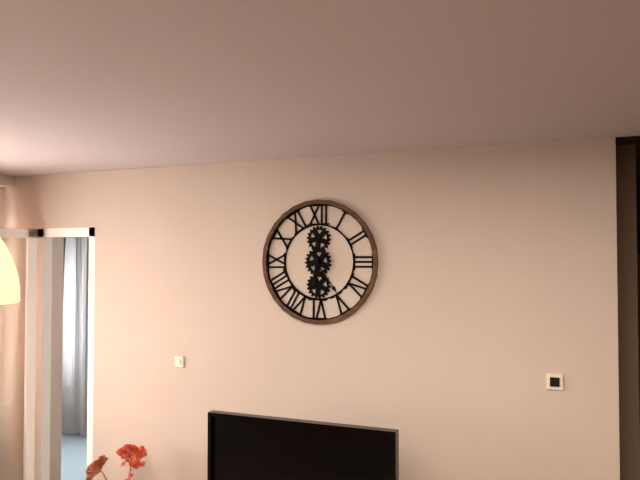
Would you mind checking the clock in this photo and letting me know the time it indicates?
6:24
